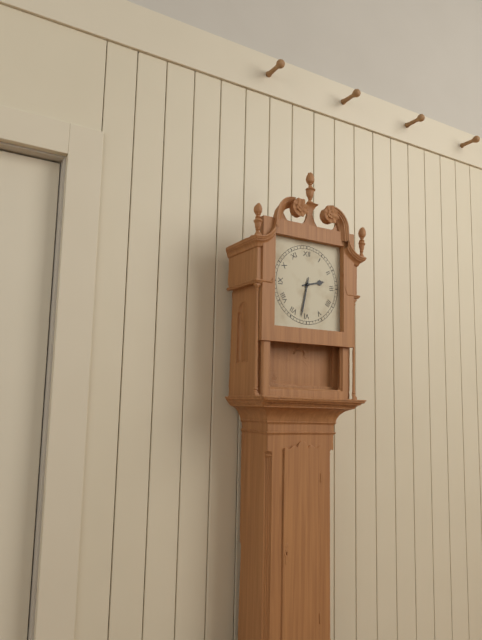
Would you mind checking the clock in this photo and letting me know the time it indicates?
2:32
